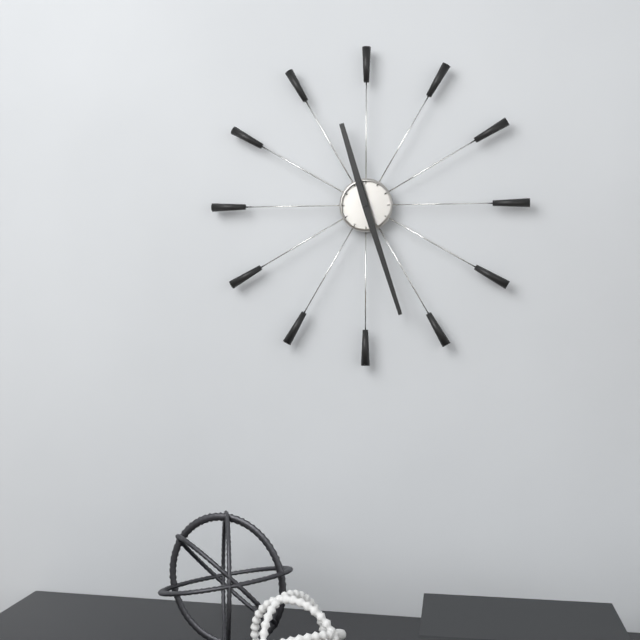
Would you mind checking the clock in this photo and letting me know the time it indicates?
11:27
